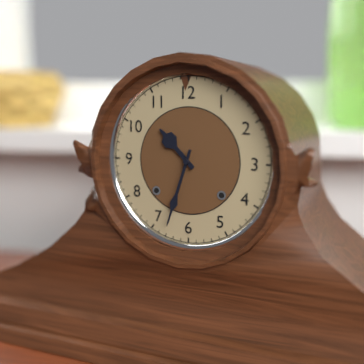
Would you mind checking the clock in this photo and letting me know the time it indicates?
10:33
